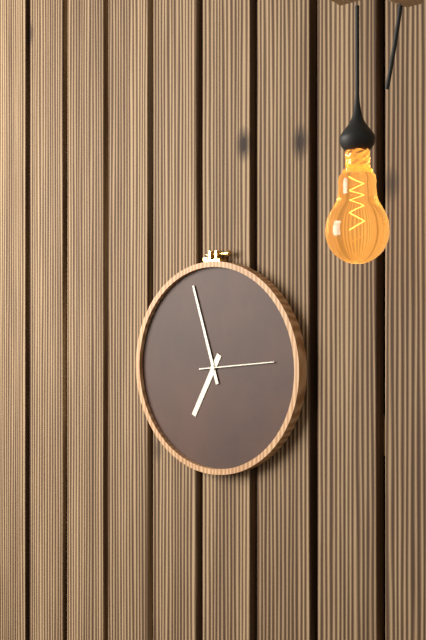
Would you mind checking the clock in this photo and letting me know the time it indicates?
6:57:14
